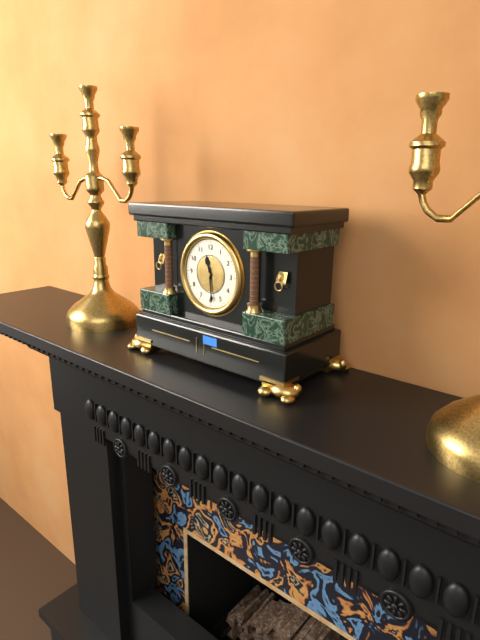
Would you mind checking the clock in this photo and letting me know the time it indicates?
11:29
